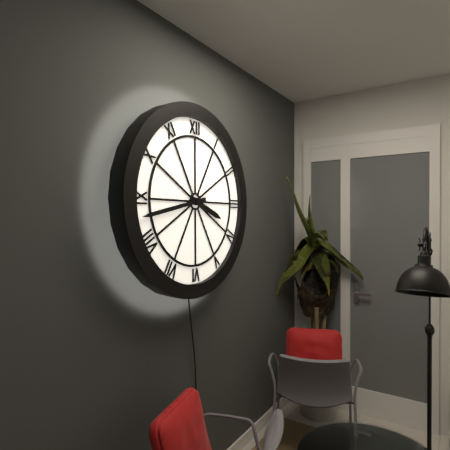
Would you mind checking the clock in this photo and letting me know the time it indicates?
3:43
